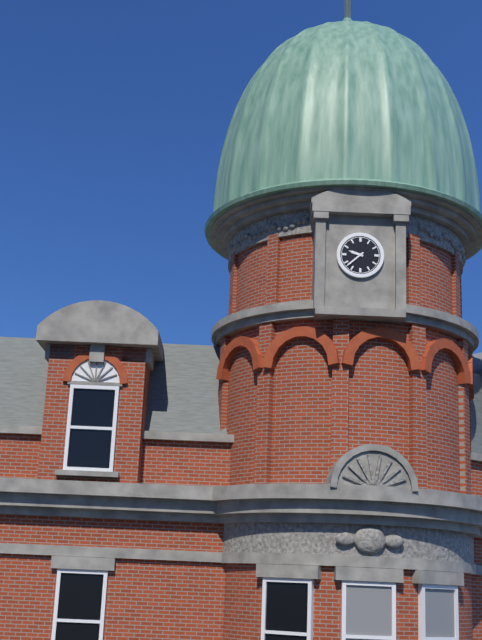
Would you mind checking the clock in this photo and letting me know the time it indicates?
9:38
